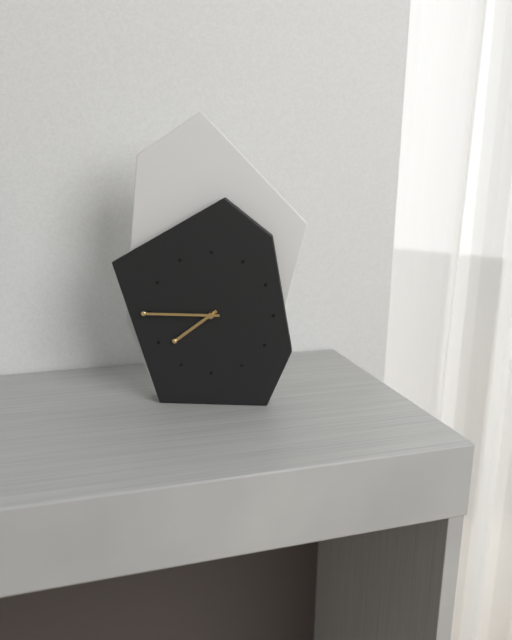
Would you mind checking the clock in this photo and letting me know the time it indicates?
7:45
